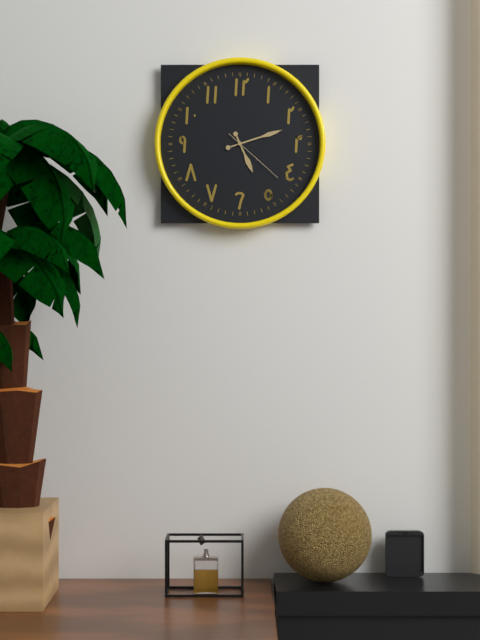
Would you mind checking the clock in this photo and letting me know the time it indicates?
5:12:22
